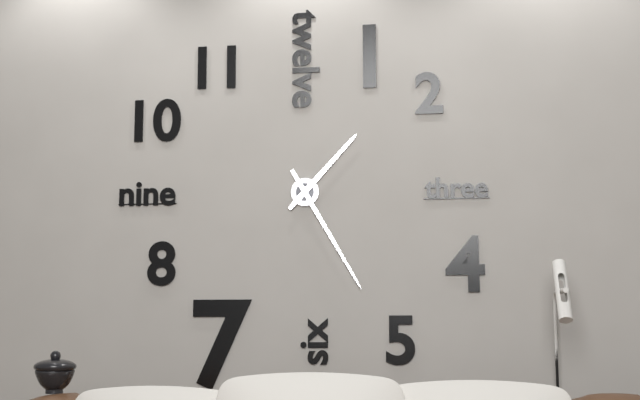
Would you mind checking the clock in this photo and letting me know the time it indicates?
1:25
